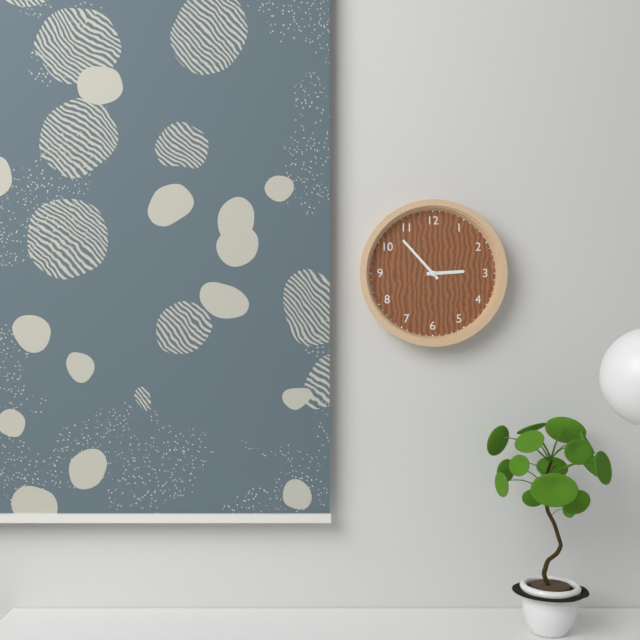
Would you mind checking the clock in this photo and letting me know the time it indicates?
2:53
